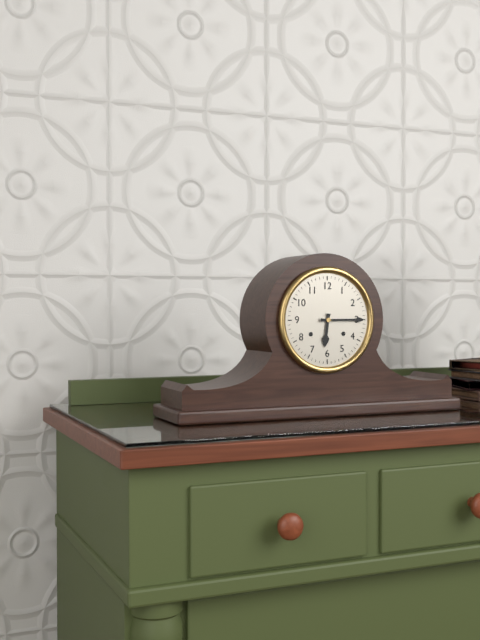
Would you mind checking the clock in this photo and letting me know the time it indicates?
6:15
